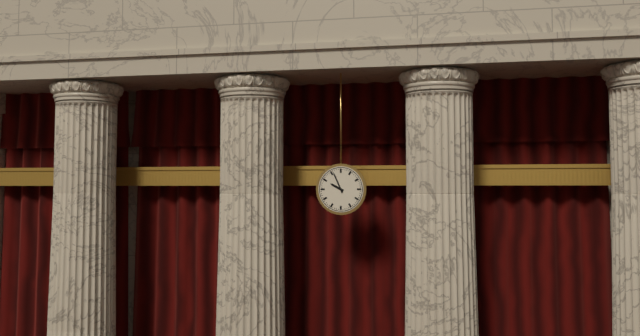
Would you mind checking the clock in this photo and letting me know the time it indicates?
9:56
